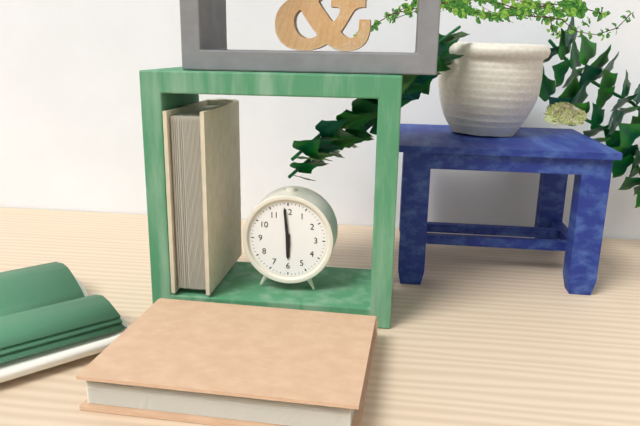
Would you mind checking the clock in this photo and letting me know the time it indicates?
5:59
